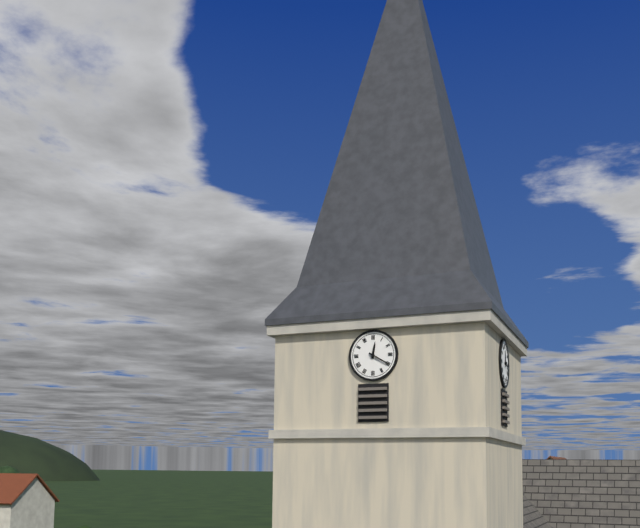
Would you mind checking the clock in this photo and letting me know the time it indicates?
12:20
